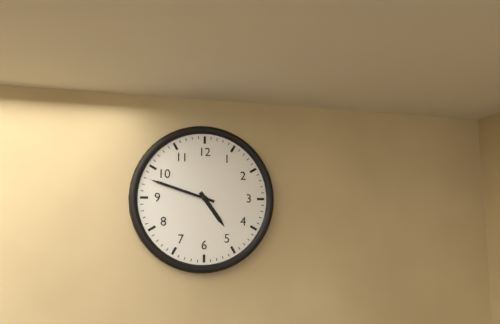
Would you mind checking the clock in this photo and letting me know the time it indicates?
4:48
